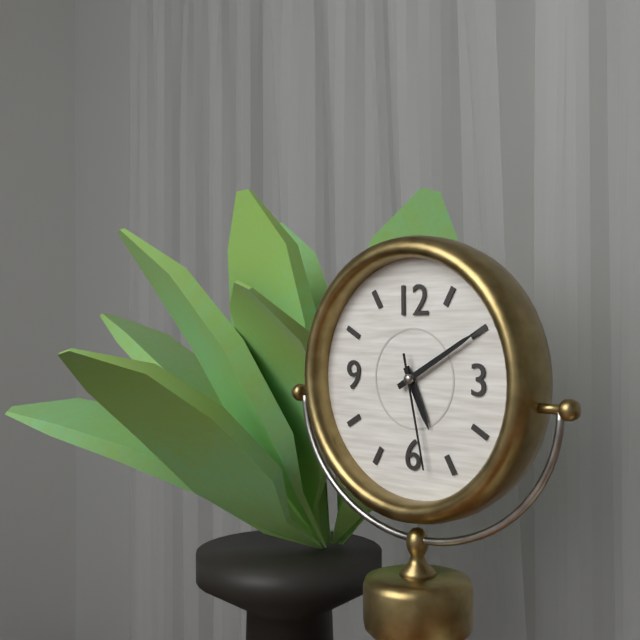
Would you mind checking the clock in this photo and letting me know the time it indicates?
5:10:28
